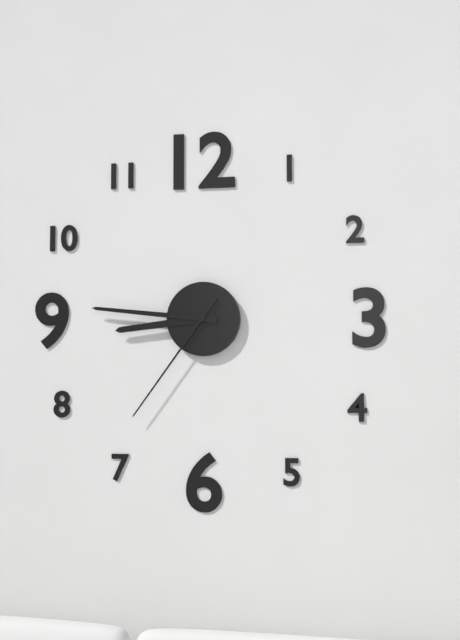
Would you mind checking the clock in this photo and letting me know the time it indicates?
8:46:36
